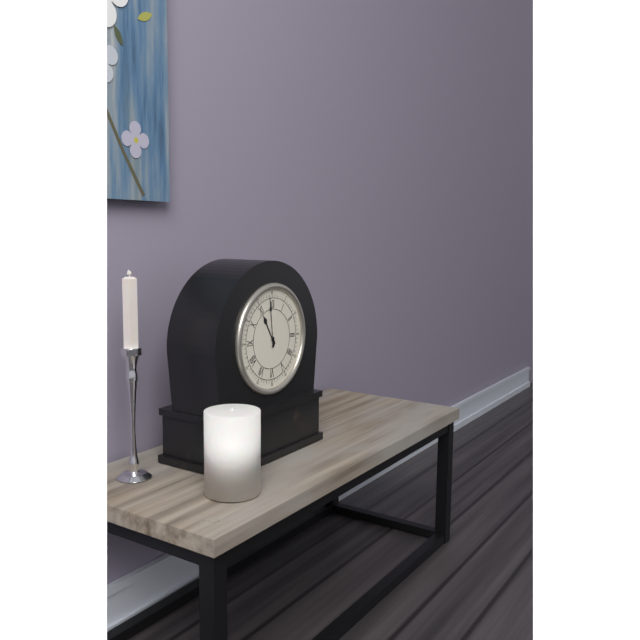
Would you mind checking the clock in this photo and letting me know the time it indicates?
10:59
